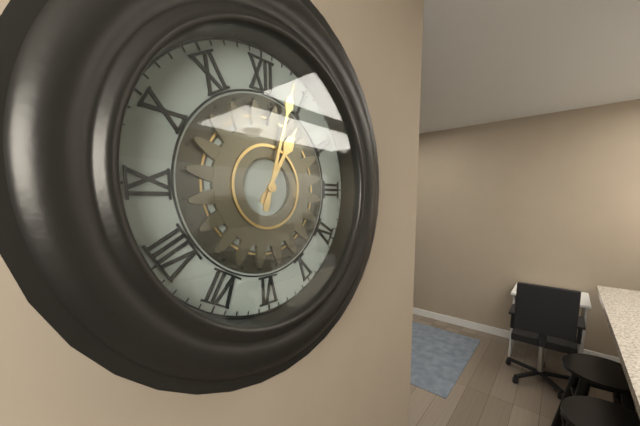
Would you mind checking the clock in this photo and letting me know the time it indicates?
1:03
